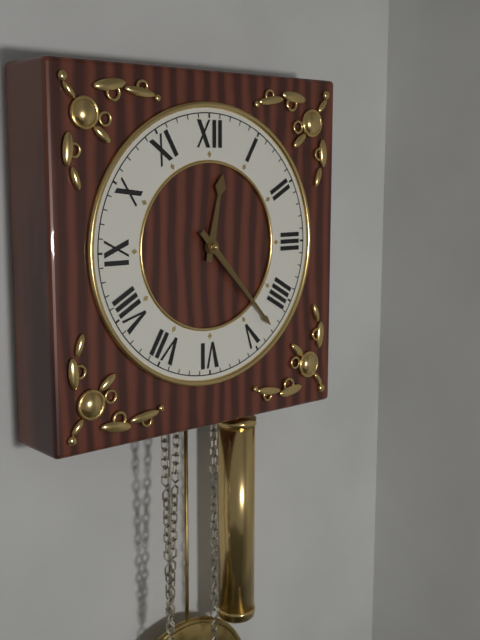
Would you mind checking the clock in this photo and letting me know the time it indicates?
12:23
